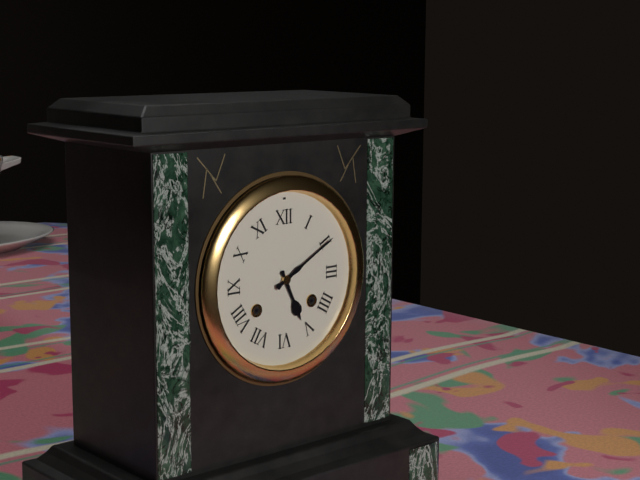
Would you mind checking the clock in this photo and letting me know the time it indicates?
5:10
